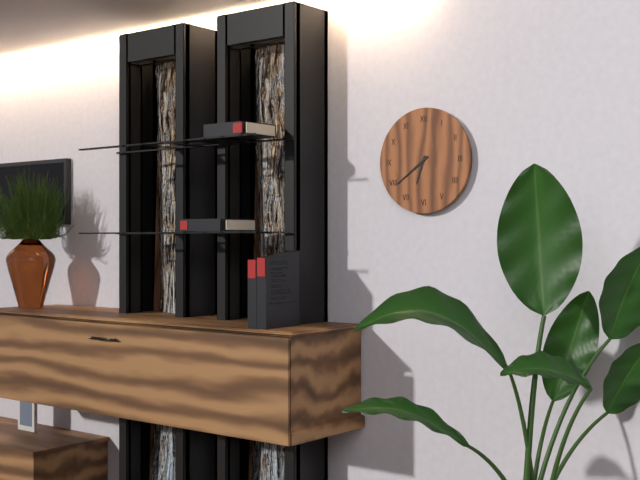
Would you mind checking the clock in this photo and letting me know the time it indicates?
6:39
